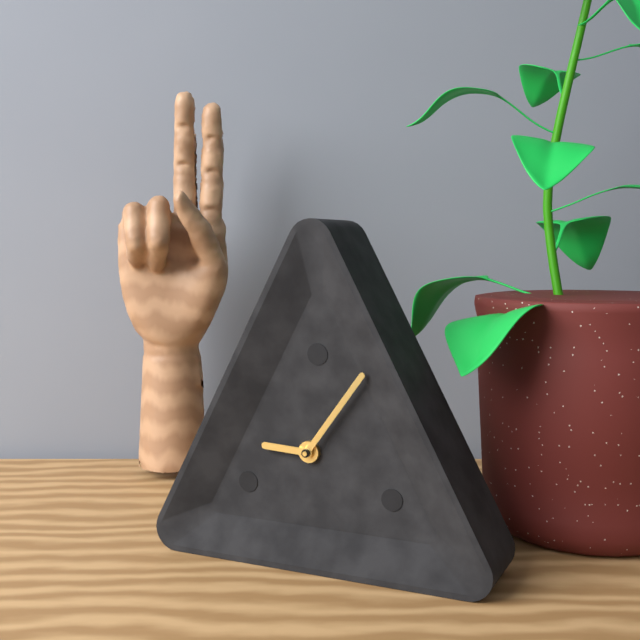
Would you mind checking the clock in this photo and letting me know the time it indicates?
9:06
